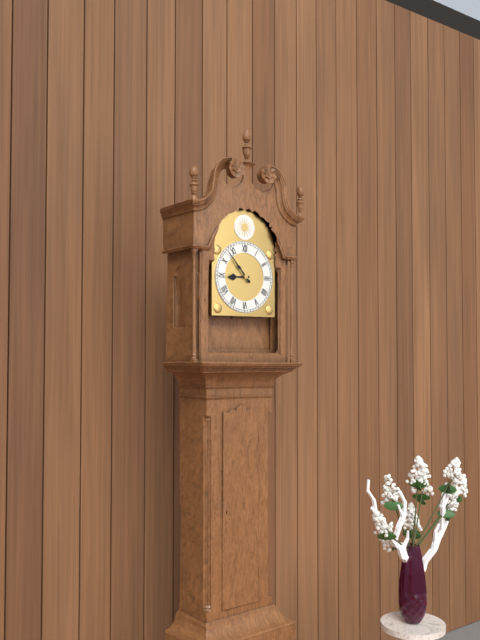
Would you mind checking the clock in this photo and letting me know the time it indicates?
8:53
